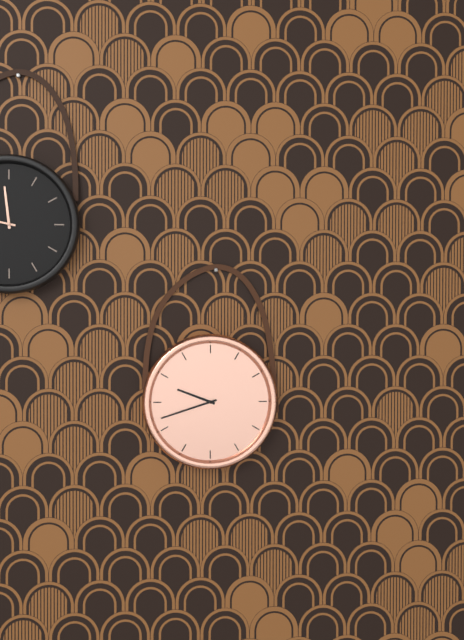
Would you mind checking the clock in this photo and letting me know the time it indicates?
9:42
